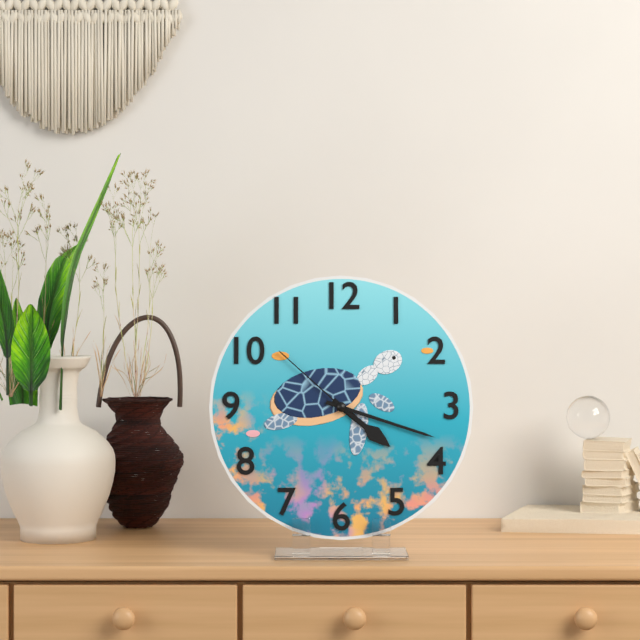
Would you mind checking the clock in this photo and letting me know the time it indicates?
4:18:52
